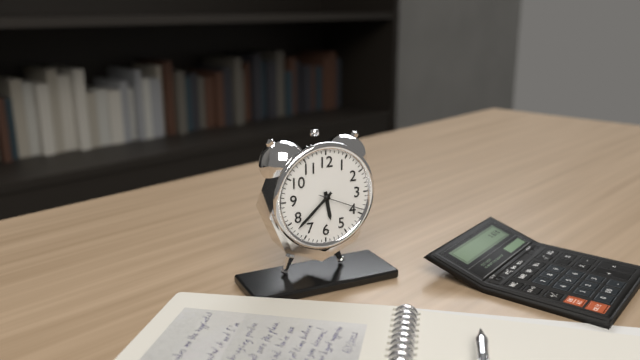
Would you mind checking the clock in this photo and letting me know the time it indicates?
5:38
